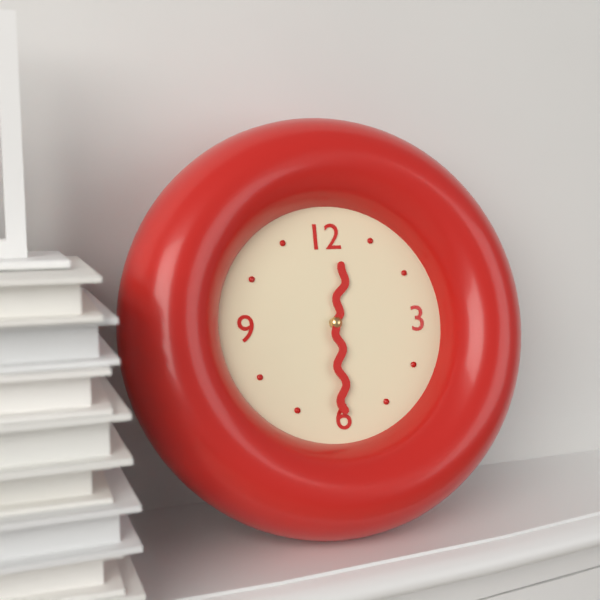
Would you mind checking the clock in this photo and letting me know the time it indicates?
12:30
